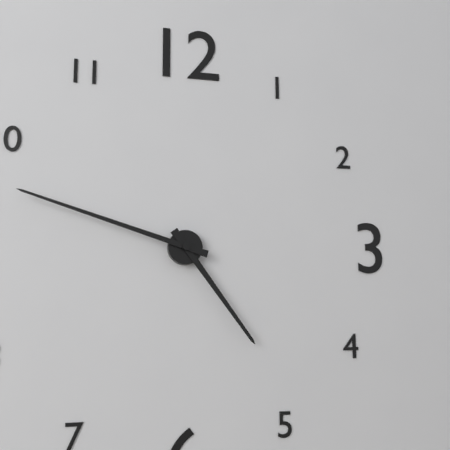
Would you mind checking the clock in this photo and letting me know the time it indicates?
4:48
